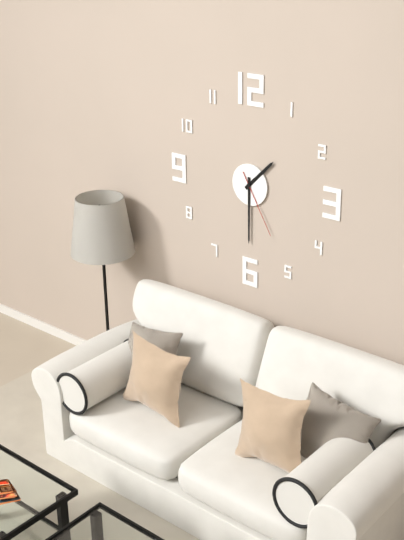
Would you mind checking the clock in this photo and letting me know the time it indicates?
1:30:25
